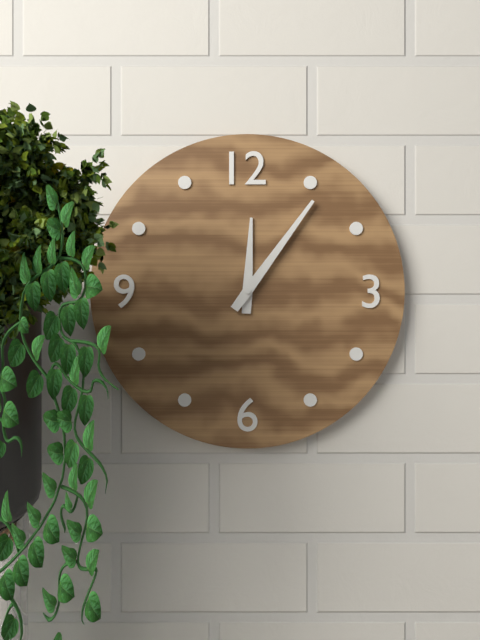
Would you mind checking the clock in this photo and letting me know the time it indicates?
12:06
